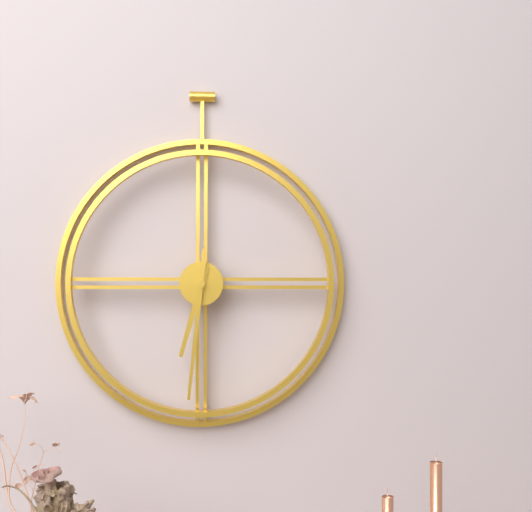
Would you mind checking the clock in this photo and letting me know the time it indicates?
6:31
